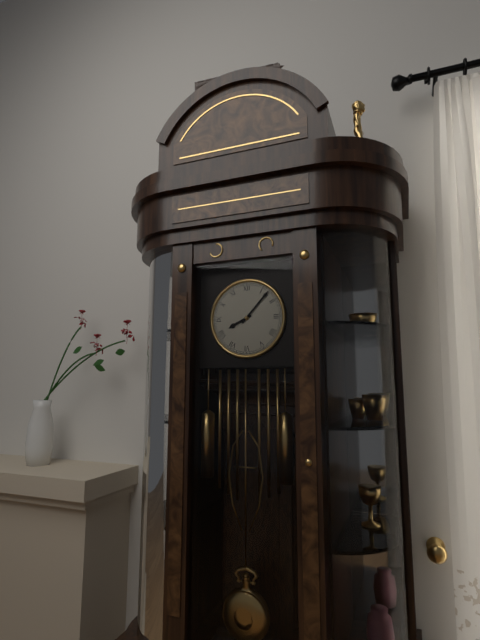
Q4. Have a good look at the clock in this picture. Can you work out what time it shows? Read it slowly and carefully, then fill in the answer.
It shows 8:07
